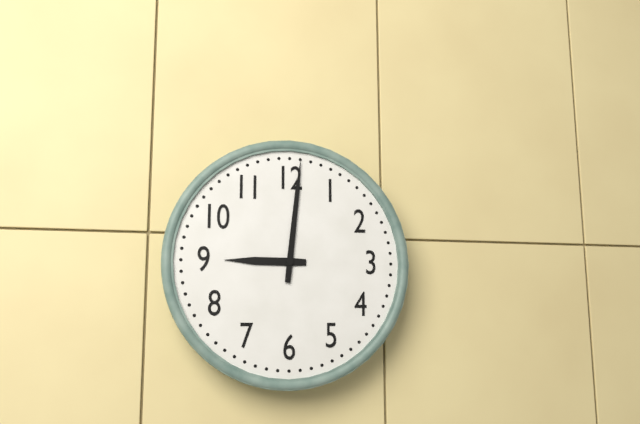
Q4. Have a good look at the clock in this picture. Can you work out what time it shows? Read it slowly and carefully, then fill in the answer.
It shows 9:01
